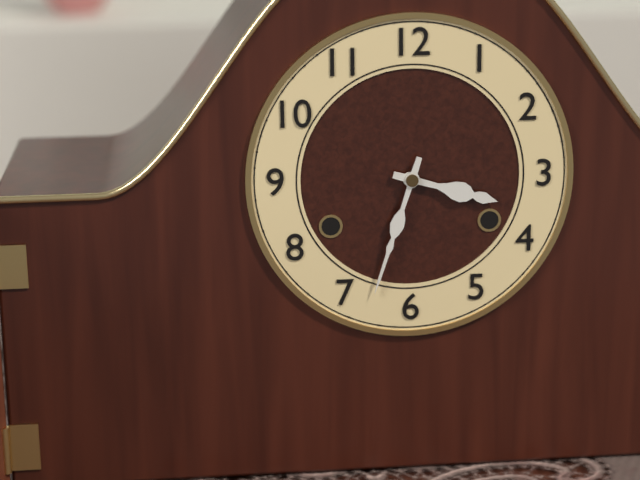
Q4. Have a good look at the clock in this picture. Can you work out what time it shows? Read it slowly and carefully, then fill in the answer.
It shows 3:33
